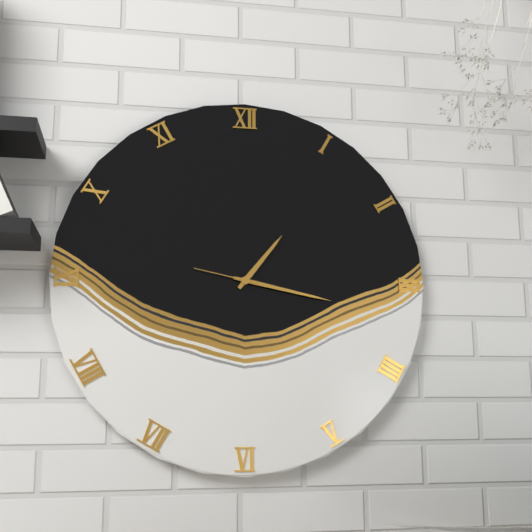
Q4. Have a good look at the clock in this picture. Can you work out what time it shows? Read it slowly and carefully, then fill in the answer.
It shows 1:17:47
